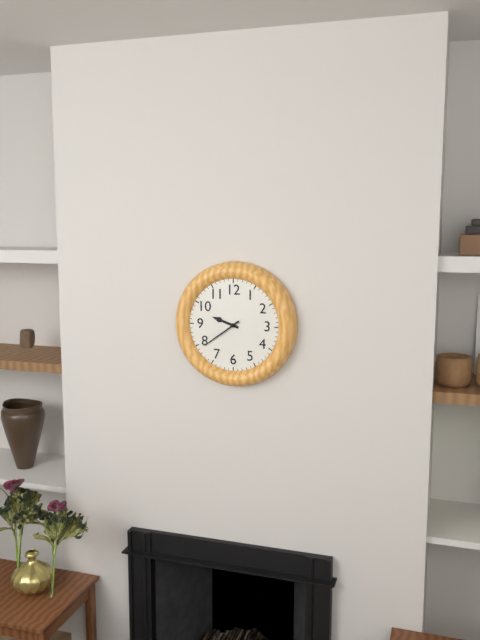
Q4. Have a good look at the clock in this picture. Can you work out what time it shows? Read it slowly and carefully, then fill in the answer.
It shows 9:39
